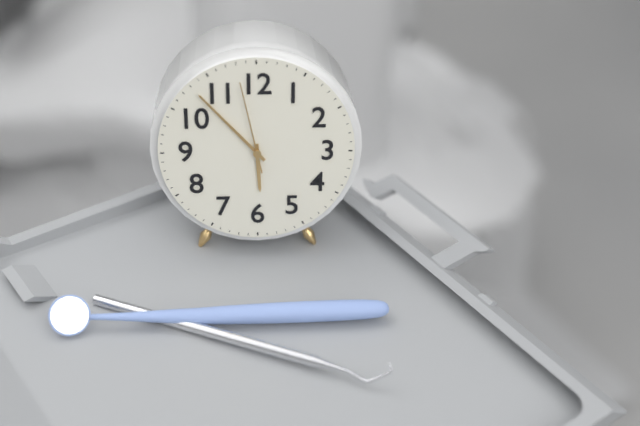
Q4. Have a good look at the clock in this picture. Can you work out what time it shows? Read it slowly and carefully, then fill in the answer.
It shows 5:53:58
